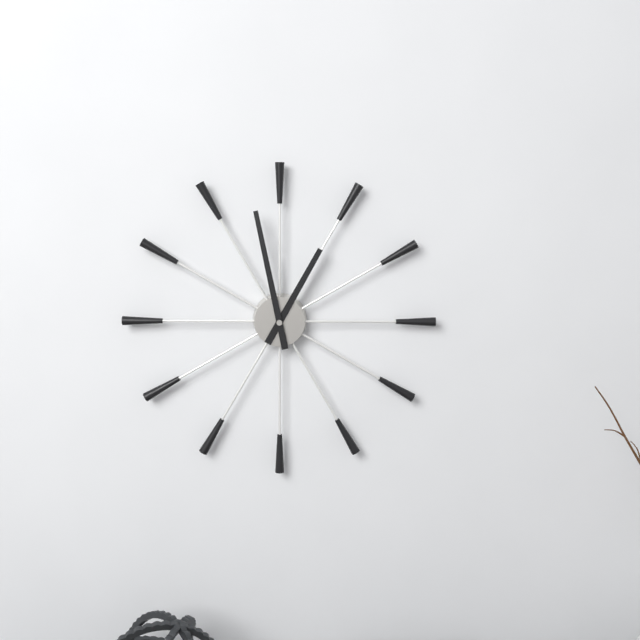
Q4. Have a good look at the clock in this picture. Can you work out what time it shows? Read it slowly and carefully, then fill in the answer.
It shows 12:58
